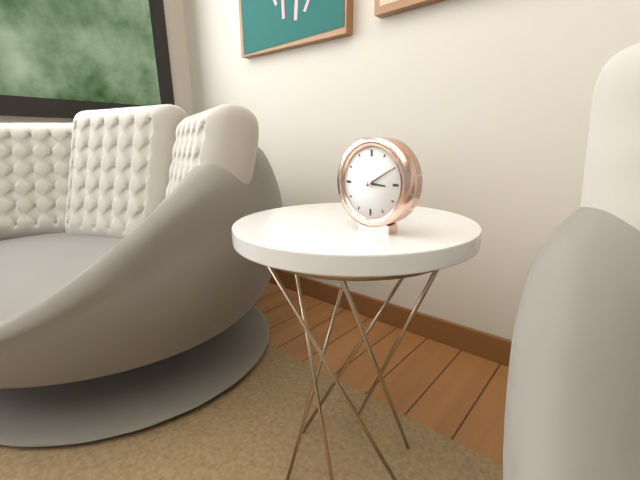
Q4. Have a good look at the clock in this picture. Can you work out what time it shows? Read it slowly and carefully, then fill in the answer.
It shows 3:10
